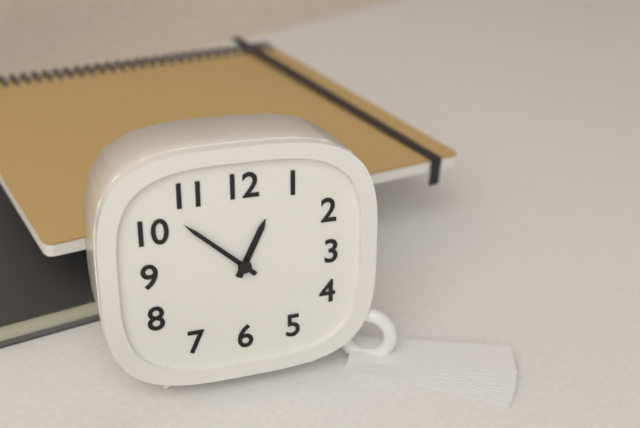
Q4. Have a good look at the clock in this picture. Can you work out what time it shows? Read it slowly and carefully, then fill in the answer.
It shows 12:52
